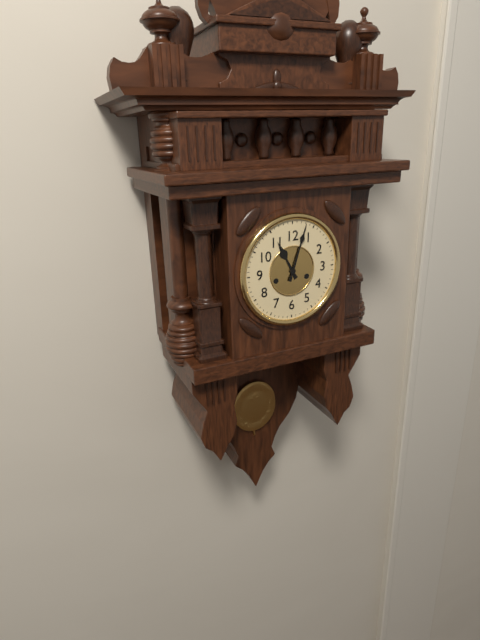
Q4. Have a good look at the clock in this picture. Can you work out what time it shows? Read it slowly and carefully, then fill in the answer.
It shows 11:03
